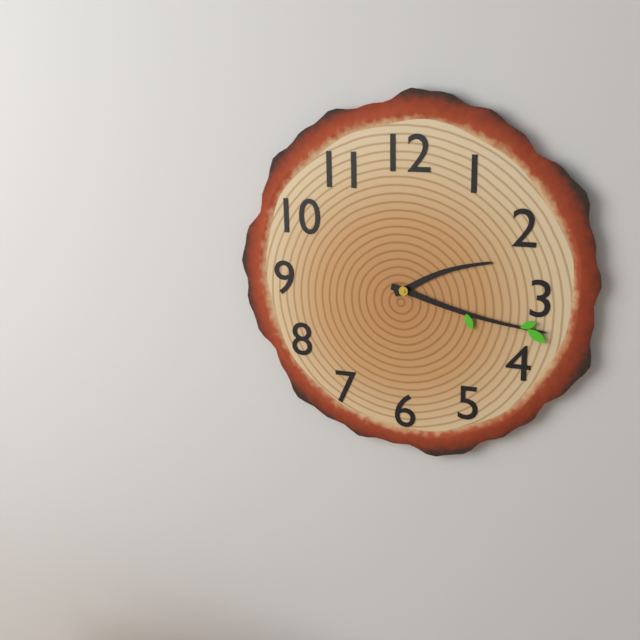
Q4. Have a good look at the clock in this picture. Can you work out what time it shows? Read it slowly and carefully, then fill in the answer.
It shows 2:17
